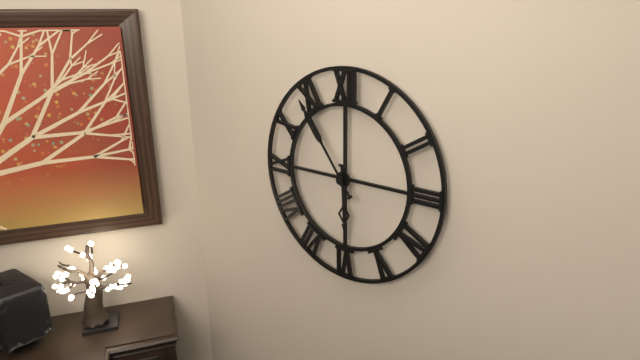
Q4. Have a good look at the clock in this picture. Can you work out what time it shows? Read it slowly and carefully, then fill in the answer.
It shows 5:54
